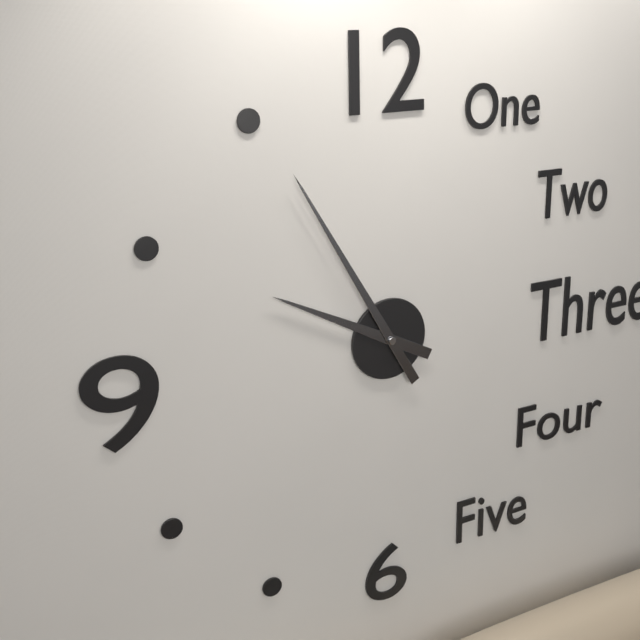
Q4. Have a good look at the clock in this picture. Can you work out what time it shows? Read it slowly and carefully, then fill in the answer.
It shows 9:55
